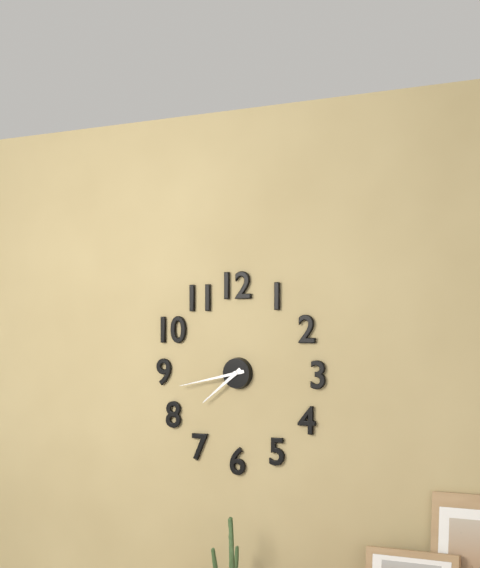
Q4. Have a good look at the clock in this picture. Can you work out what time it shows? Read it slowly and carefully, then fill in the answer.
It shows 7:43
